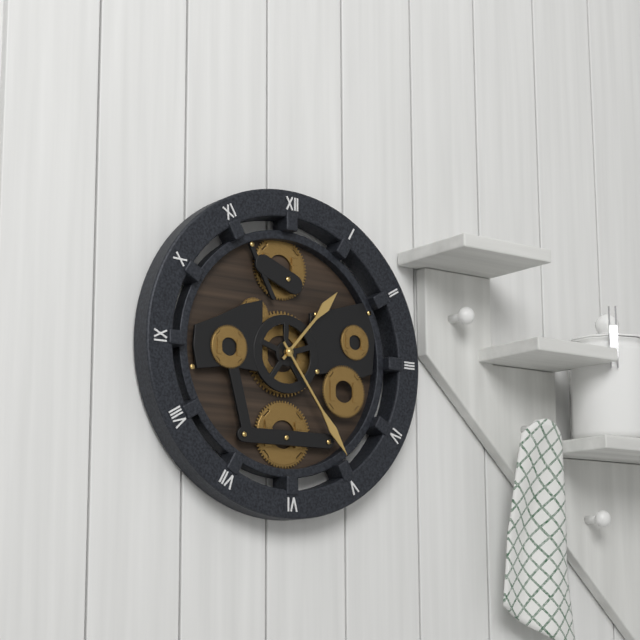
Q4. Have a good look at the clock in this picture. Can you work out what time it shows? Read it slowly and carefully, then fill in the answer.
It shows 1:24
